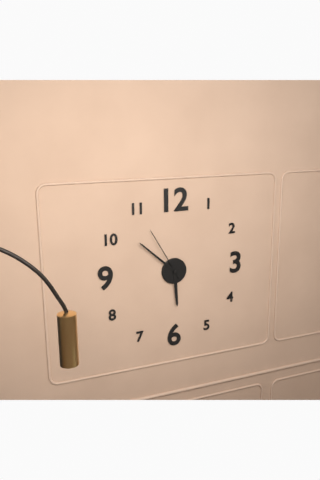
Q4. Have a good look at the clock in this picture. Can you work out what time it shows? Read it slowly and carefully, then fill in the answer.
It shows 5:52:55
